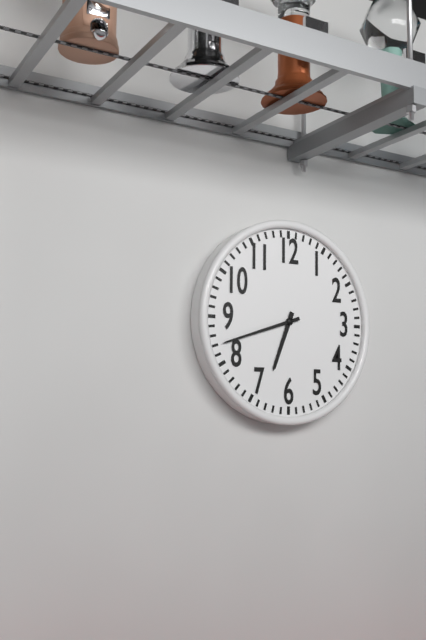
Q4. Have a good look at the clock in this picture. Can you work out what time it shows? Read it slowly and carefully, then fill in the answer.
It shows 6:42
